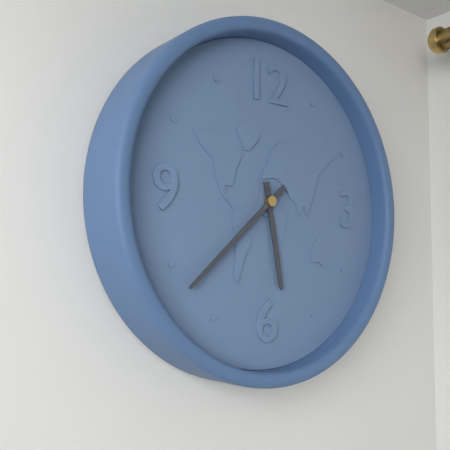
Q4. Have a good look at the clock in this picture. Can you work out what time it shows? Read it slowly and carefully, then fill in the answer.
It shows 5:38
